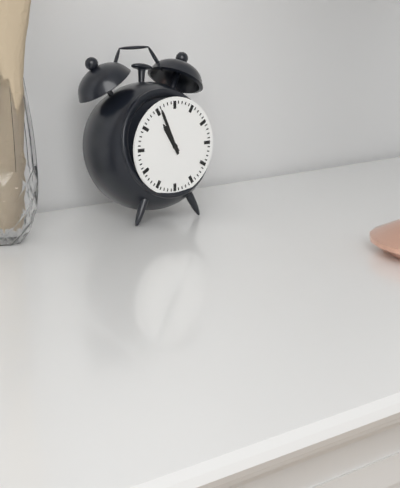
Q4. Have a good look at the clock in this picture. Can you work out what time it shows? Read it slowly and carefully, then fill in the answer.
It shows 10:56
